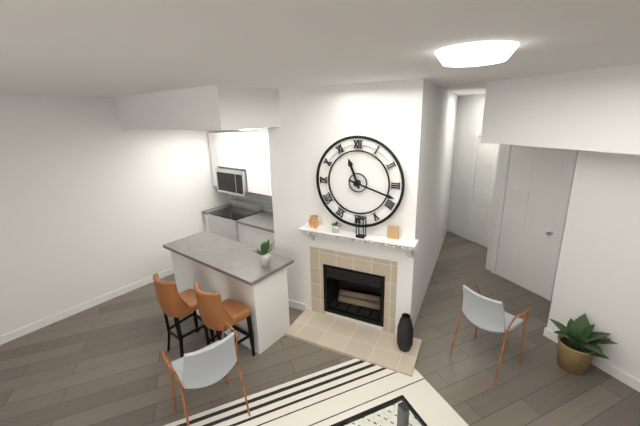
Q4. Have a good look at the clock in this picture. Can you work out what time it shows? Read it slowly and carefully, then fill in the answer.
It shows 11:18
